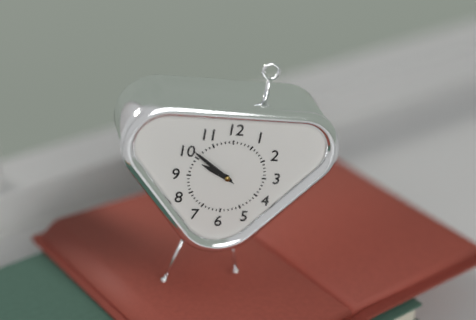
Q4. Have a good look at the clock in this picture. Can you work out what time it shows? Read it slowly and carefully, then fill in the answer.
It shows 9:51
